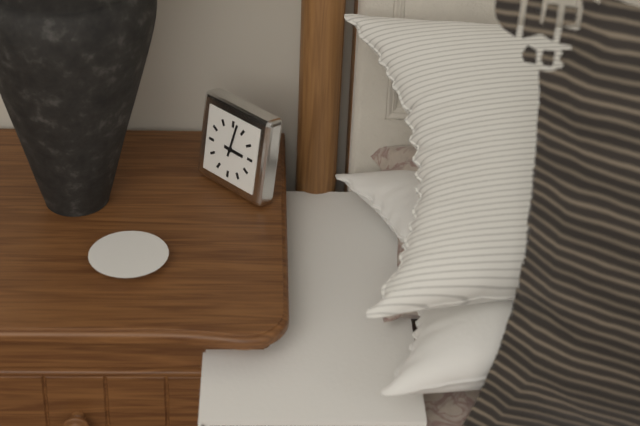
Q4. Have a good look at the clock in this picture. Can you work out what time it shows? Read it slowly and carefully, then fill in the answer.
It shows 3:02
